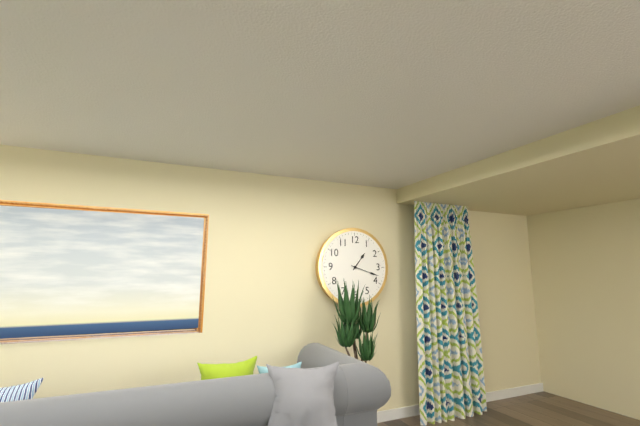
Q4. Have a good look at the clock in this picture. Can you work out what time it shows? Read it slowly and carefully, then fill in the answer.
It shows 1:18
